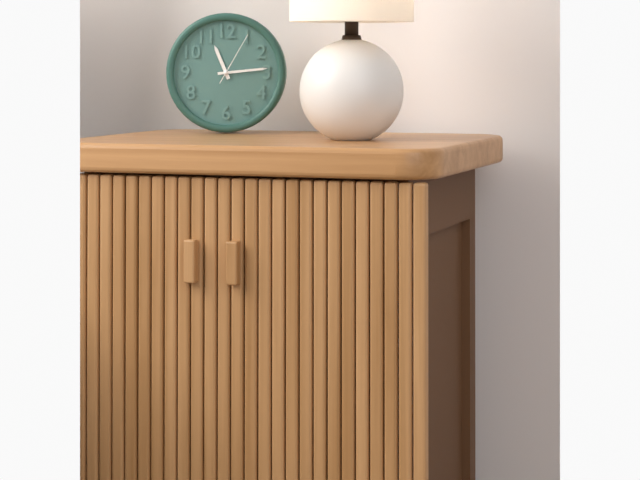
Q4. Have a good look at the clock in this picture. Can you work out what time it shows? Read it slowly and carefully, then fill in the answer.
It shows 11:14:05
